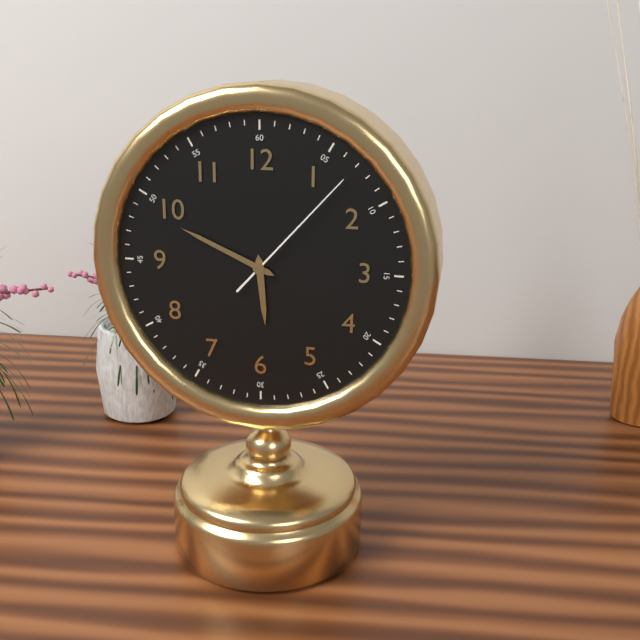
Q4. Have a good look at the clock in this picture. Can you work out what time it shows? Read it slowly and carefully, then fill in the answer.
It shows 5:49:07
